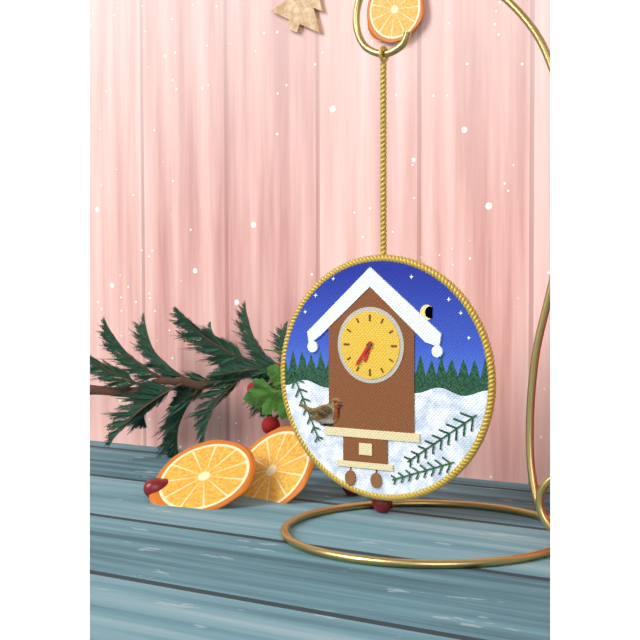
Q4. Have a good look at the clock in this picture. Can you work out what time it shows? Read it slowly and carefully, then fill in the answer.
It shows 6:36
